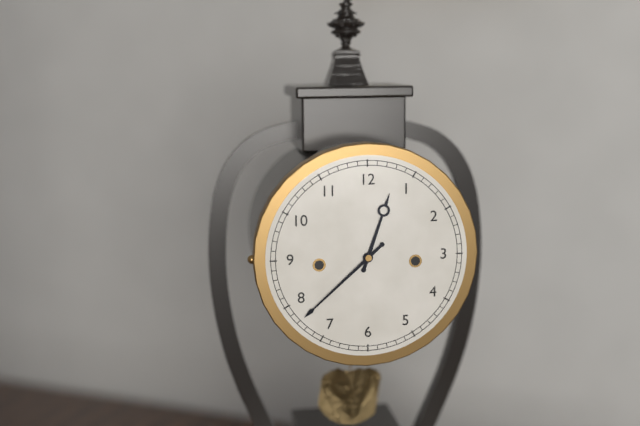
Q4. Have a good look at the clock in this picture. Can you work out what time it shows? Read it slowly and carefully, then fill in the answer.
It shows 12:38
